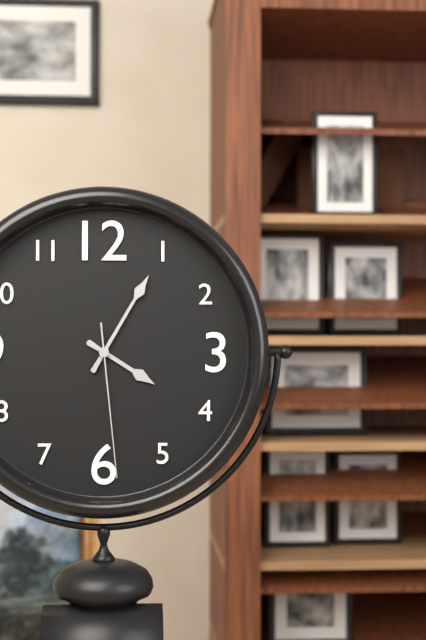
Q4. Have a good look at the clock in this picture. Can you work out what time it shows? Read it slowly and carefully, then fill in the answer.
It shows 4:05:29
